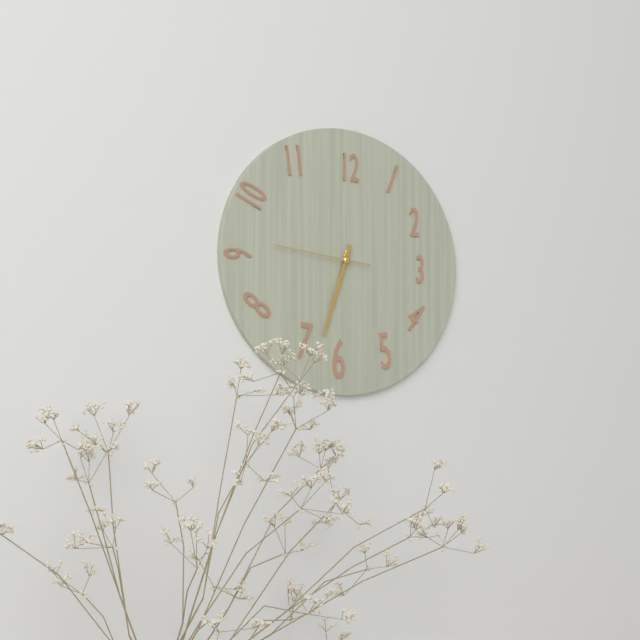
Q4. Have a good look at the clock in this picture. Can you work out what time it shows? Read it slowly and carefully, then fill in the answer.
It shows 6:33:46
